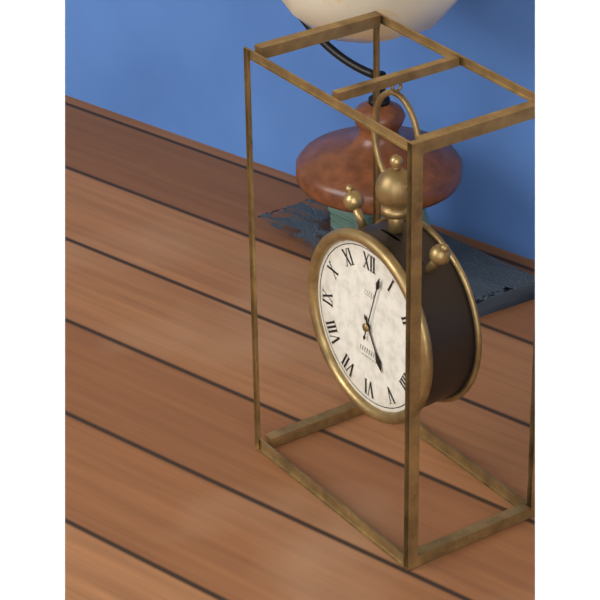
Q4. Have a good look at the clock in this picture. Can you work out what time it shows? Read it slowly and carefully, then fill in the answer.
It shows 5:03
